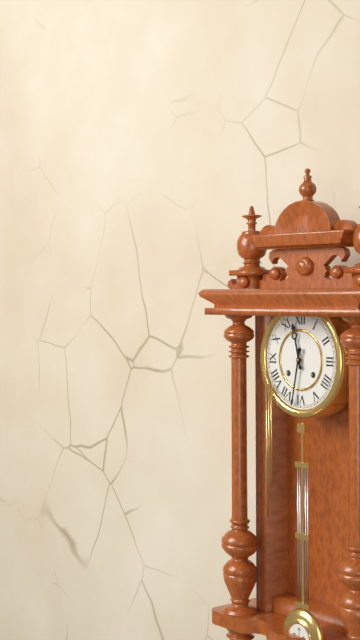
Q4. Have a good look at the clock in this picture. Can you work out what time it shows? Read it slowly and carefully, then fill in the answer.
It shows 11:32
